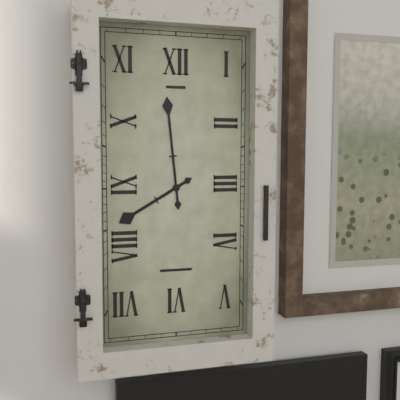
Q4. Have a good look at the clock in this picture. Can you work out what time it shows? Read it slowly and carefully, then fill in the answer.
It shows 7:59
